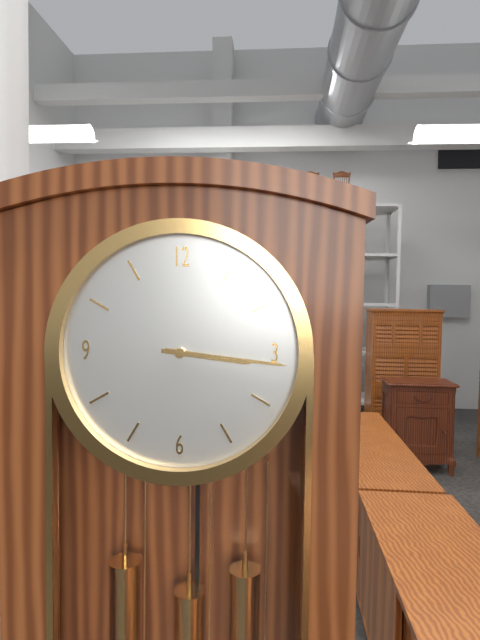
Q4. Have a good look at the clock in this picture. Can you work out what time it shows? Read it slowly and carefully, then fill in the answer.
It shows 3:16
